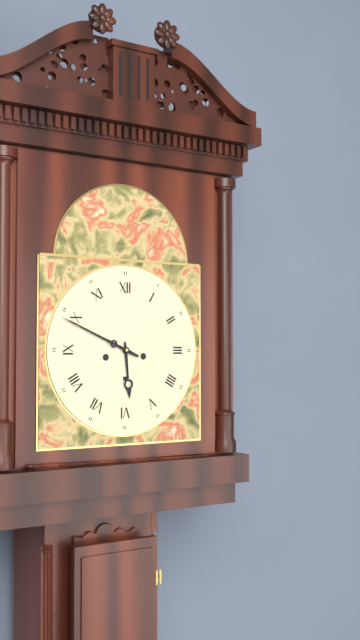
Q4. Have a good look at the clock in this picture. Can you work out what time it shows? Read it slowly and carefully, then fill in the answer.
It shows 5:49
